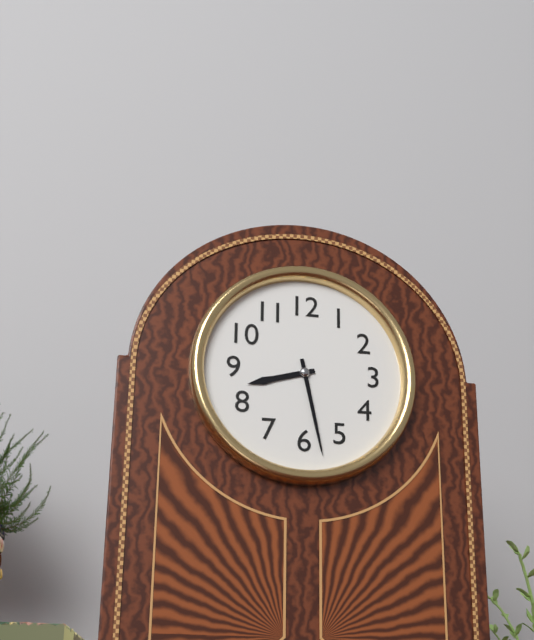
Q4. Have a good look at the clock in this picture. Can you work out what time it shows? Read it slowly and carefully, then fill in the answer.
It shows 8:28
